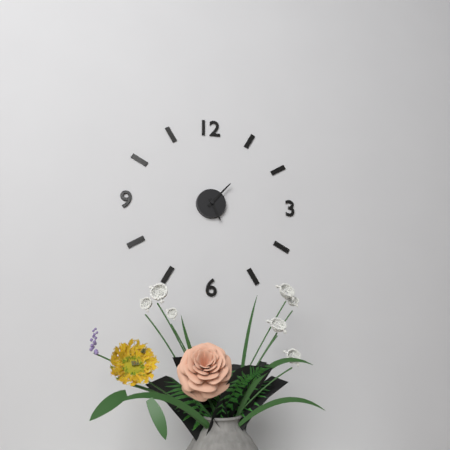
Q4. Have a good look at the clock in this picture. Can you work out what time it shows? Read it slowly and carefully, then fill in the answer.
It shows 5:07
